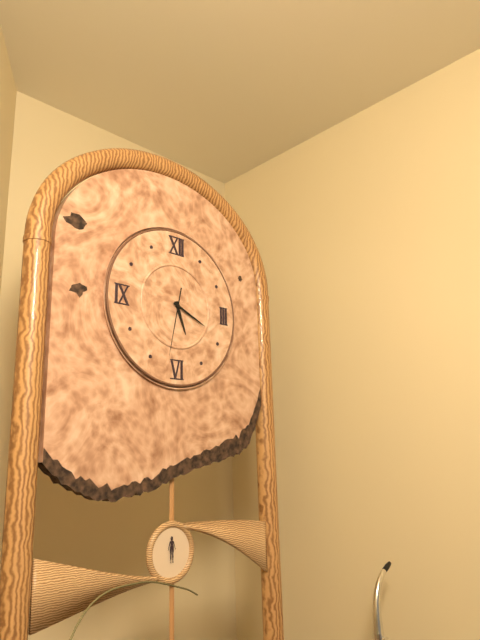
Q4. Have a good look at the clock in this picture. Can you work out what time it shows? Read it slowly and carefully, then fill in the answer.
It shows 5:19:32
